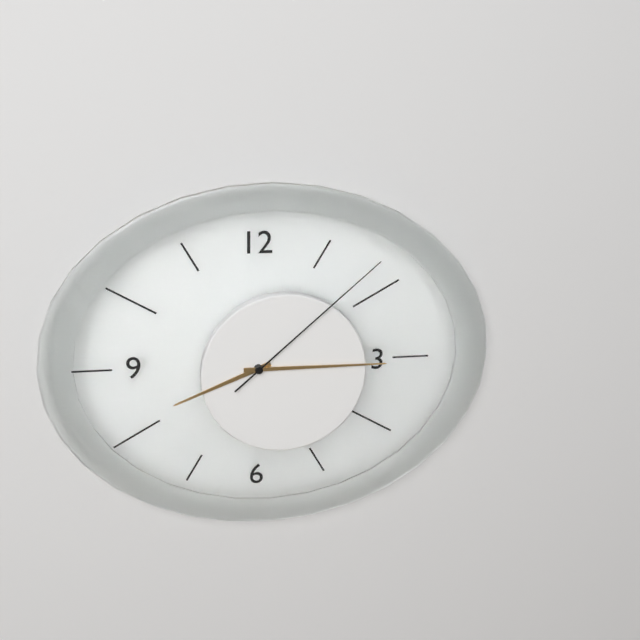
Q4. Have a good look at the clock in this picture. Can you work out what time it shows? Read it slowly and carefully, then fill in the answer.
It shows 8:15:08
